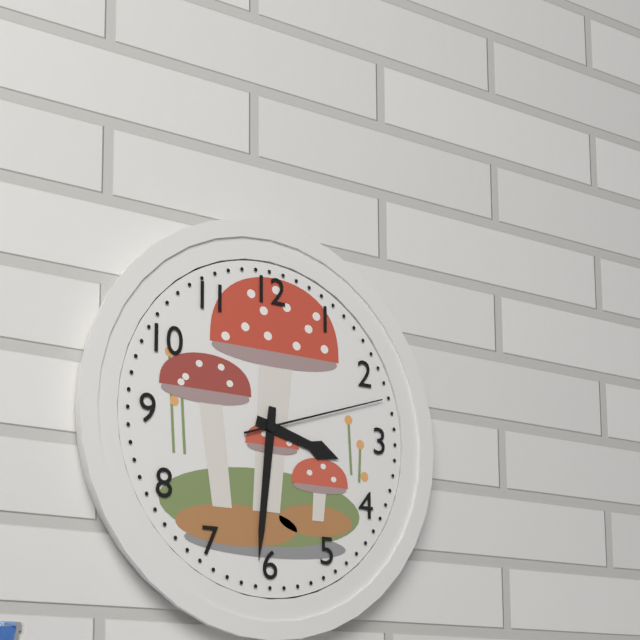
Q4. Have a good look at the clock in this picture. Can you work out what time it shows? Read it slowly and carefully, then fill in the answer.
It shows 3:31:12
